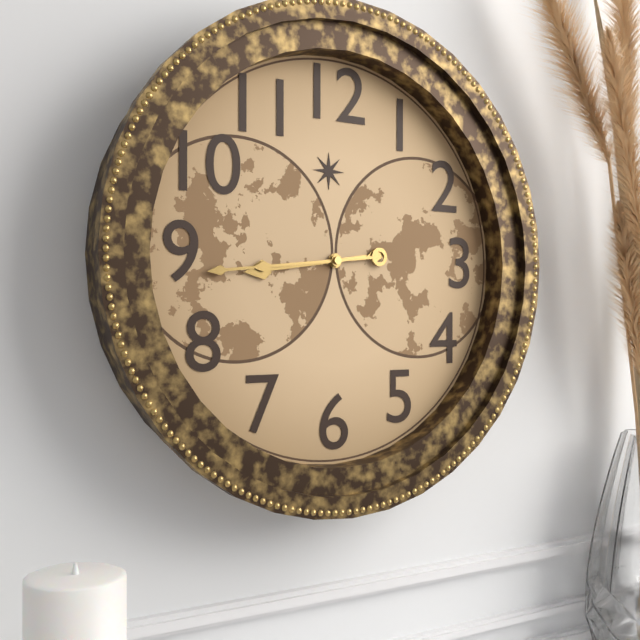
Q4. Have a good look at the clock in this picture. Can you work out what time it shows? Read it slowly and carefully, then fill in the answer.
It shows 8:44
